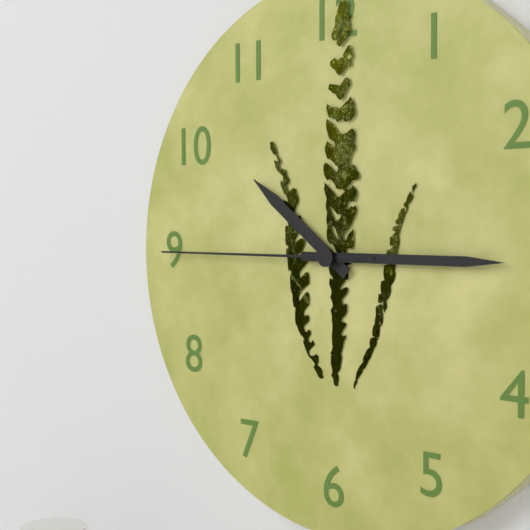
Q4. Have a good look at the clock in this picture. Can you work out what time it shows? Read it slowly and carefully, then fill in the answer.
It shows 10:15:45
